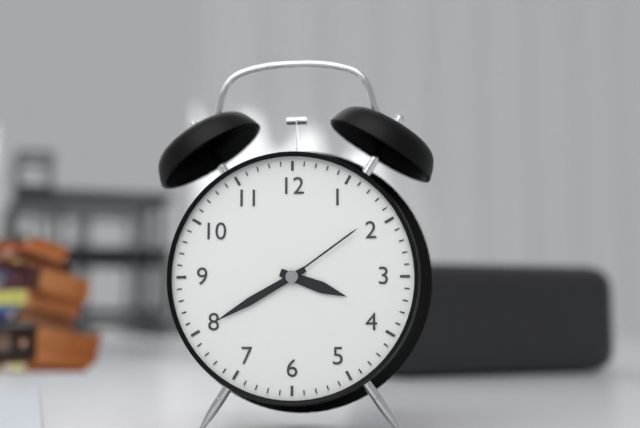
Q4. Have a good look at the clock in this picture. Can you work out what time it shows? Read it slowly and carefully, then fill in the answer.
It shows 3:40:09
